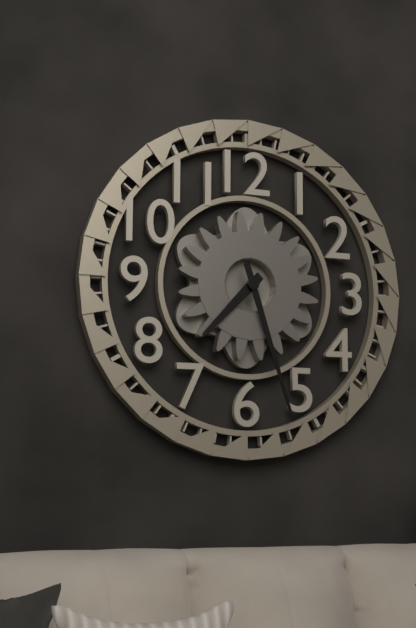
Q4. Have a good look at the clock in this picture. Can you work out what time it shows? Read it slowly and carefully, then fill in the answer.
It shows 7:27
